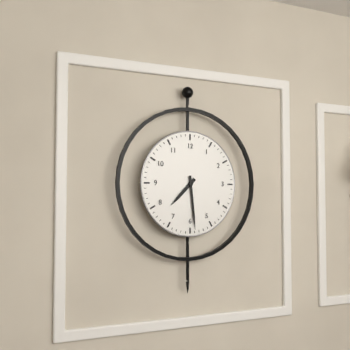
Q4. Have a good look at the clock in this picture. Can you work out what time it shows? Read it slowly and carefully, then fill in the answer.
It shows 7:29
